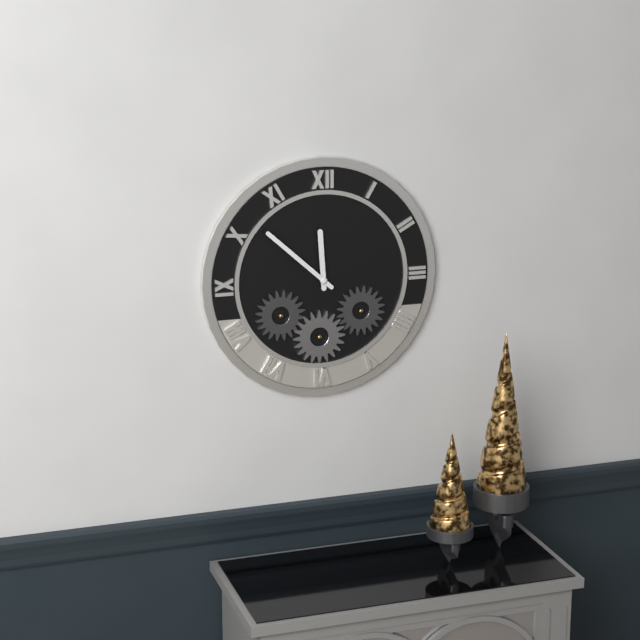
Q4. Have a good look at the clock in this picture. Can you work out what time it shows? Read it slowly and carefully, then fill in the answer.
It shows 11:52
